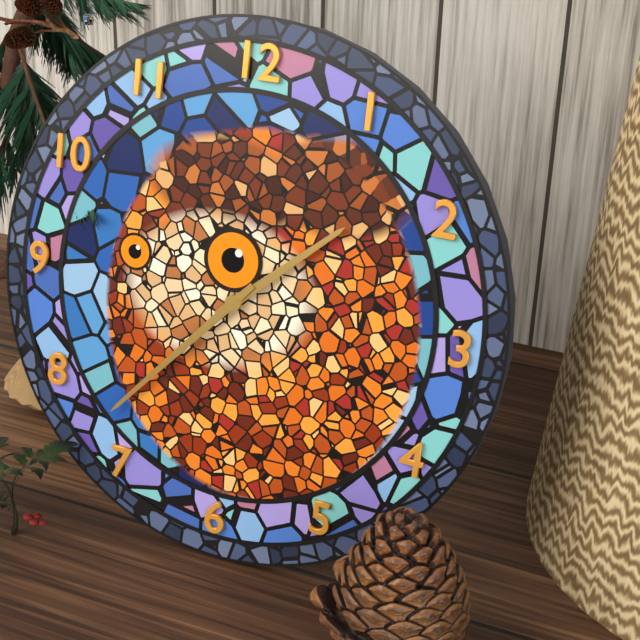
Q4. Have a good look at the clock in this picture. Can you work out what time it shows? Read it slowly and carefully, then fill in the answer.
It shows 1:37
